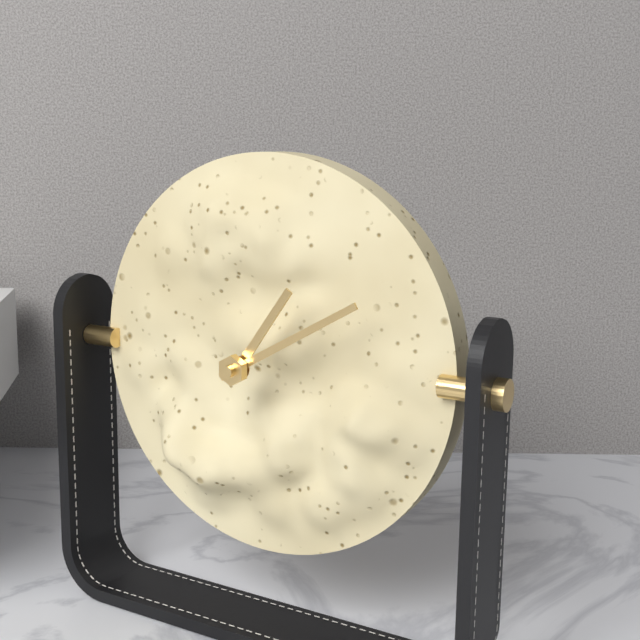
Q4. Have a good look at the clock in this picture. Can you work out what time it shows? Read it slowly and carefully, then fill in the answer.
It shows 1:10
